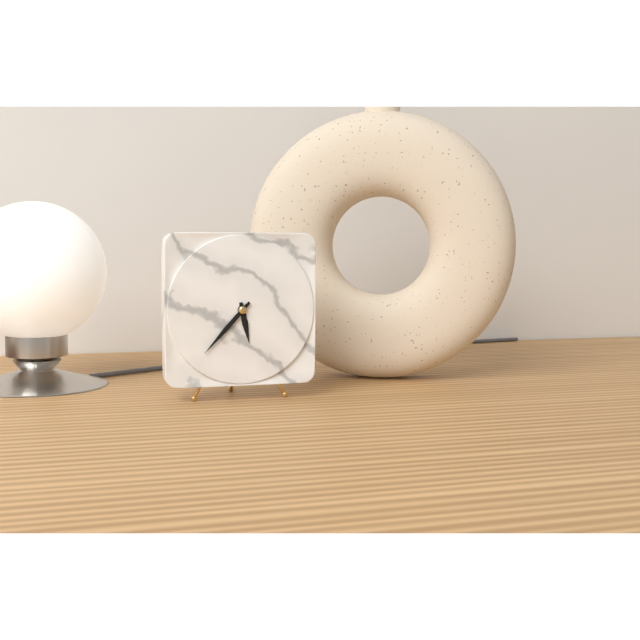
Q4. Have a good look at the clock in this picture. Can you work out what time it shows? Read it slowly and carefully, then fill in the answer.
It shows 5:37
